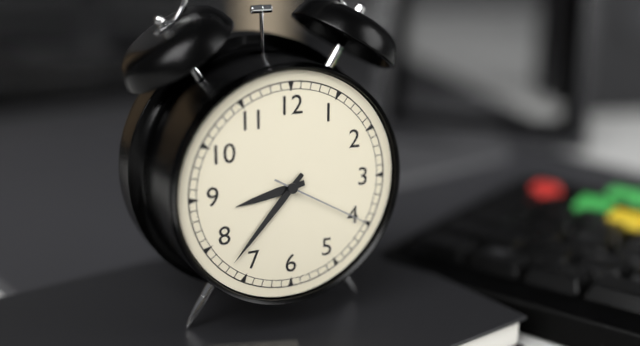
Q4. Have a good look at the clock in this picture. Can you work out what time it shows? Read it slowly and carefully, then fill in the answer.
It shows 8:37:20
